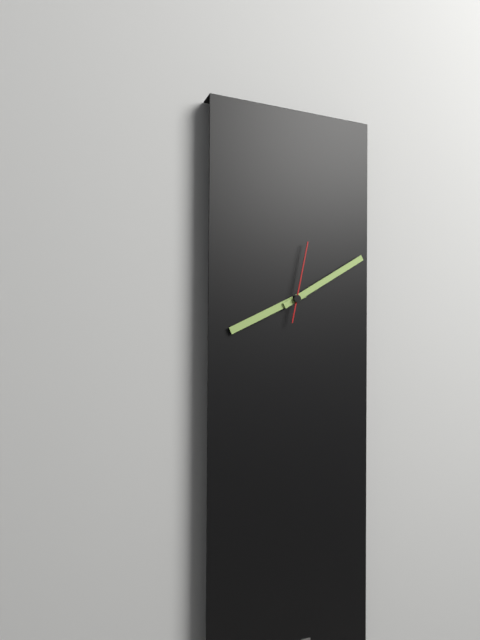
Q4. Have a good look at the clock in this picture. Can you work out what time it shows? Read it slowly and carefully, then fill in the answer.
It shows 8:10:02
